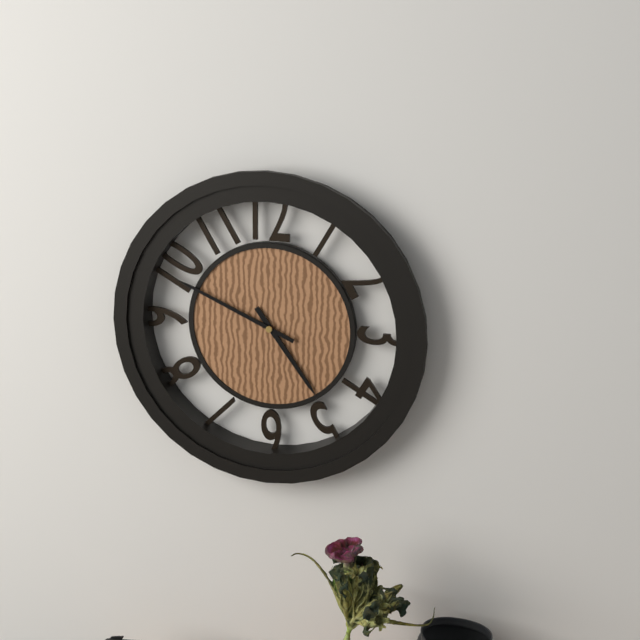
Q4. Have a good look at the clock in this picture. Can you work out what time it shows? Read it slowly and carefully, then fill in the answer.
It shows 4:49
